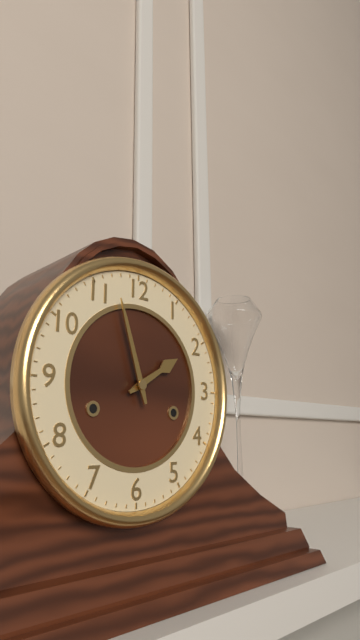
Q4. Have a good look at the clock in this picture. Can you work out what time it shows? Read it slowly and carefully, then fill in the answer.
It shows 1:57
